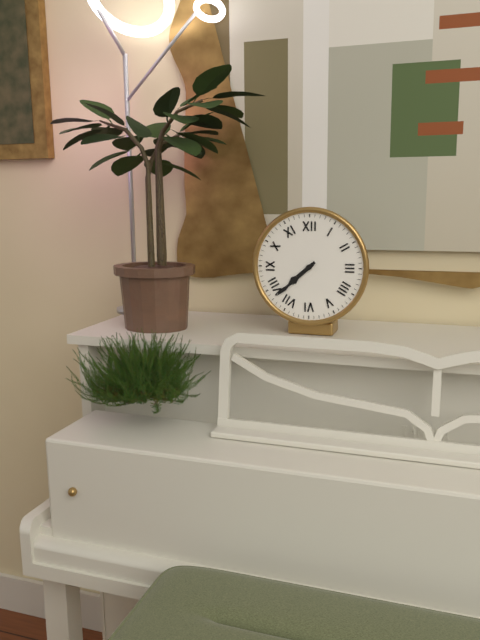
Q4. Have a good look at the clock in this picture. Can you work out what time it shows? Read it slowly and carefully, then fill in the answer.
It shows 7:38
